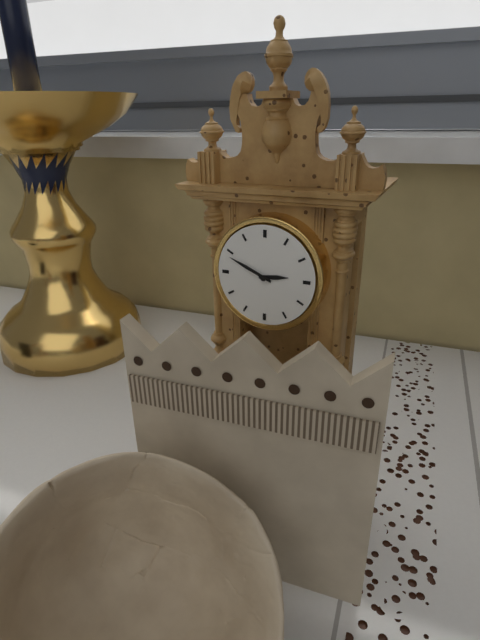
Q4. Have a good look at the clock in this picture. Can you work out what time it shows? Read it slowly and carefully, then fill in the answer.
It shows 2:49
